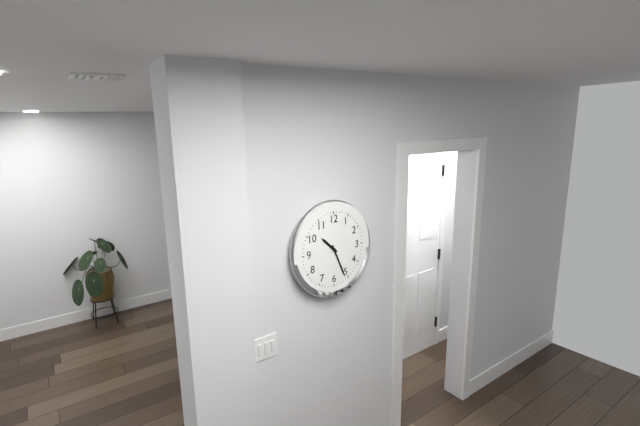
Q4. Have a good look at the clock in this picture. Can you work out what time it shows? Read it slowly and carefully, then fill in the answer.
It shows 10:26
